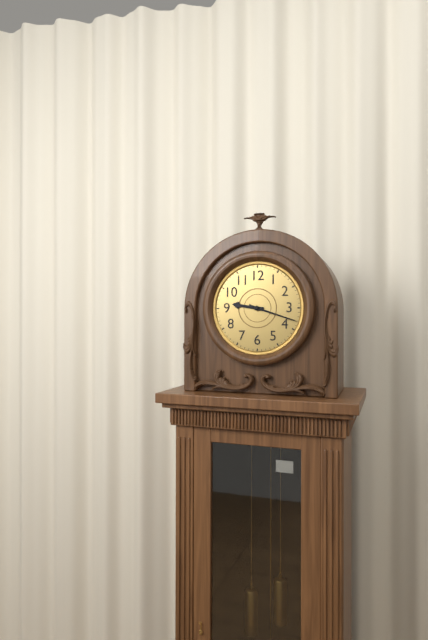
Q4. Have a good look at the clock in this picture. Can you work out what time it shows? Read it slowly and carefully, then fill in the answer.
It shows 9:18
